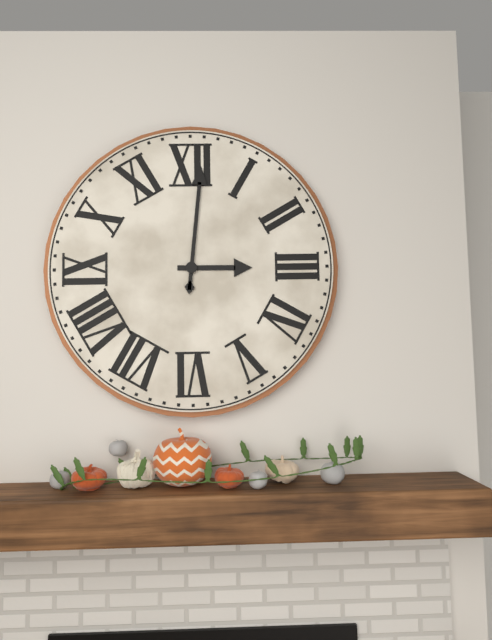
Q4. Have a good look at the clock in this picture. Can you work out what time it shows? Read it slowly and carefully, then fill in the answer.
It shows 3:01
